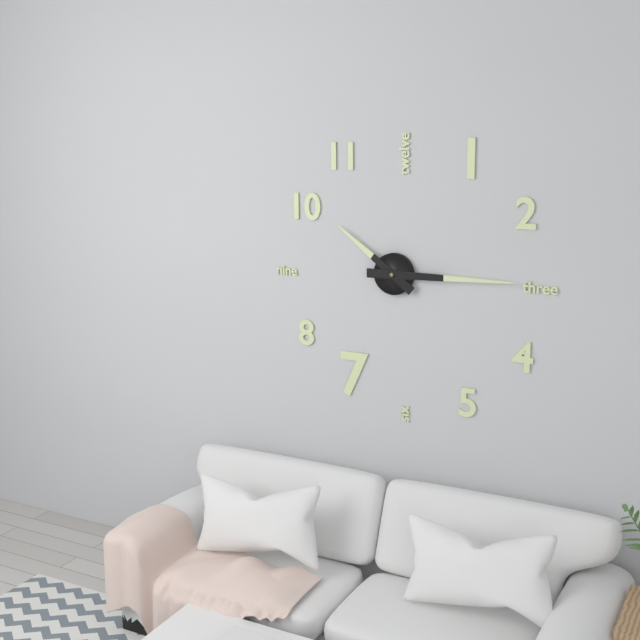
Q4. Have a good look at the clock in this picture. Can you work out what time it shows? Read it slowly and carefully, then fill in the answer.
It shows 10:15
